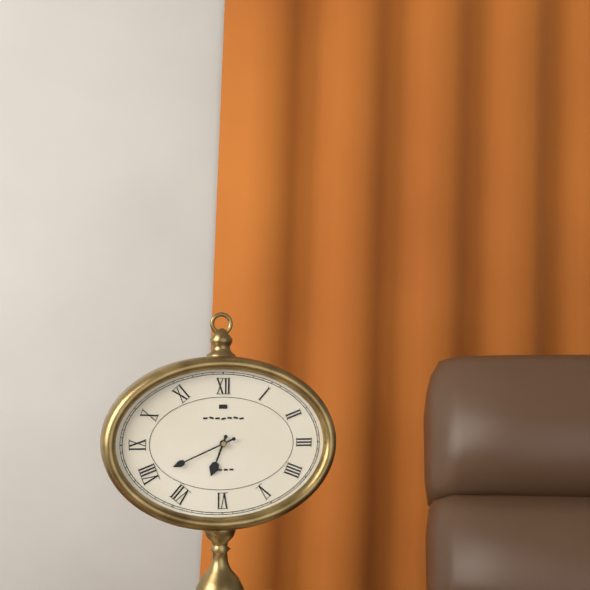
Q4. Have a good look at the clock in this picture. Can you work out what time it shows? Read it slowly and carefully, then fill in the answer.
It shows 6:41
